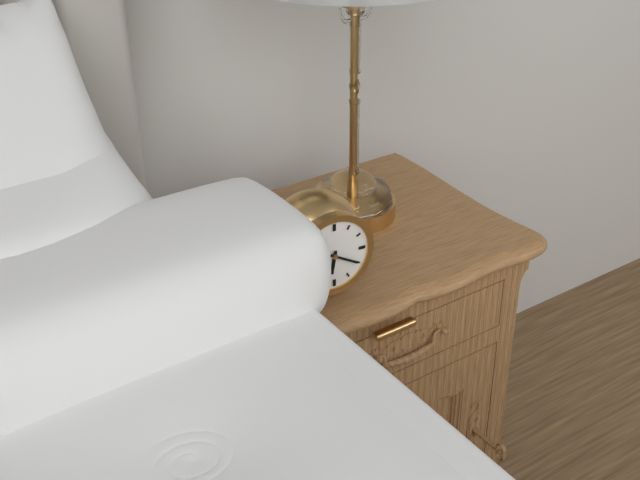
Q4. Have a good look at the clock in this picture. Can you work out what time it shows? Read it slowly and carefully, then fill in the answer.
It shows 6:20
